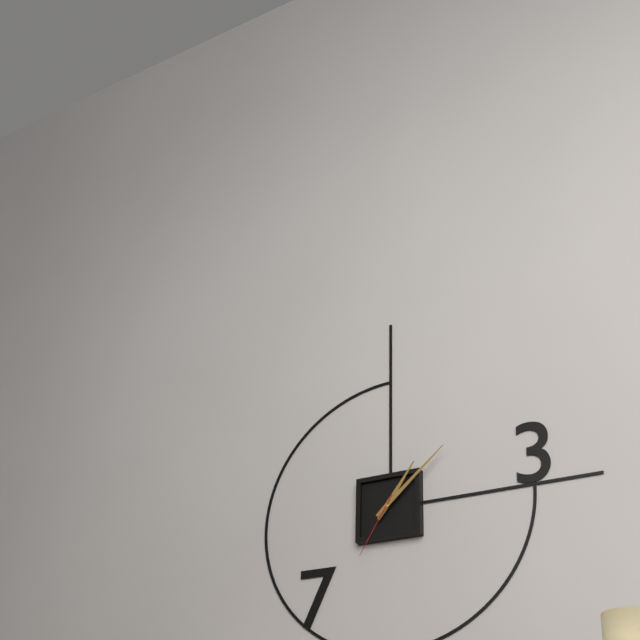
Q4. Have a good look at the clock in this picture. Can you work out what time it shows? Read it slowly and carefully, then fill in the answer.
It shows 1:08:35
